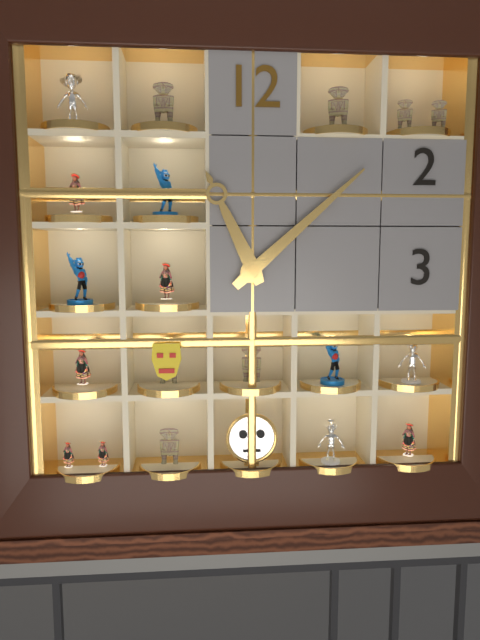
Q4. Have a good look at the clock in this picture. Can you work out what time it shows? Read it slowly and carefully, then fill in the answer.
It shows 11:08
